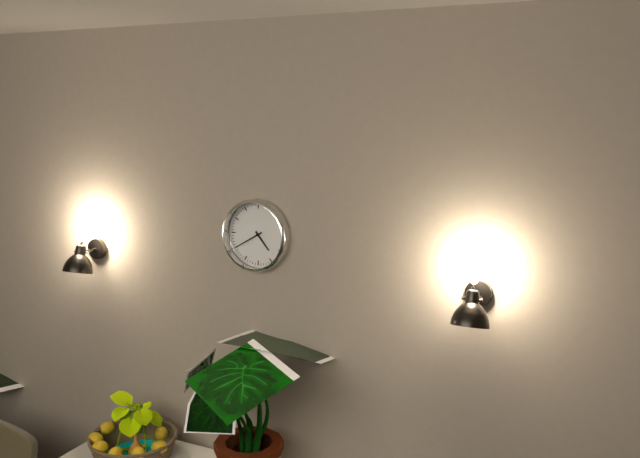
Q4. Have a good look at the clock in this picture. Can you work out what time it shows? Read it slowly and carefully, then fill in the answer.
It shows 4:40
